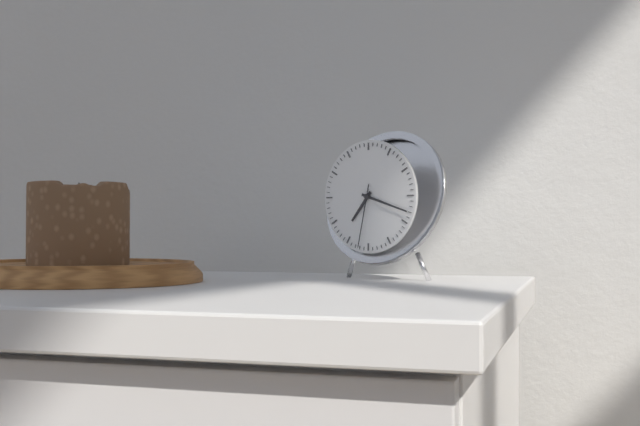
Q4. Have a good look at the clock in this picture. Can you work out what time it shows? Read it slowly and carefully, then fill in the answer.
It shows 7:18:32
